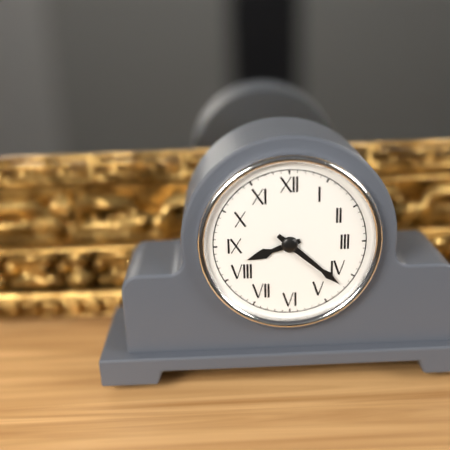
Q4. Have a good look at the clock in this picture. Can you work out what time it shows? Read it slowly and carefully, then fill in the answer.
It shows 8:22
